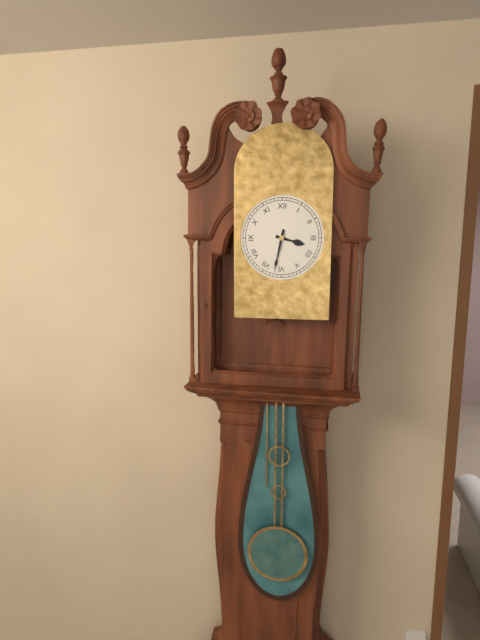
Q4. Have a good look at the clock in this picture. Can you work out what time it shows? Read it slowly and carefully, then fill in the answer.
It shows 3:32
